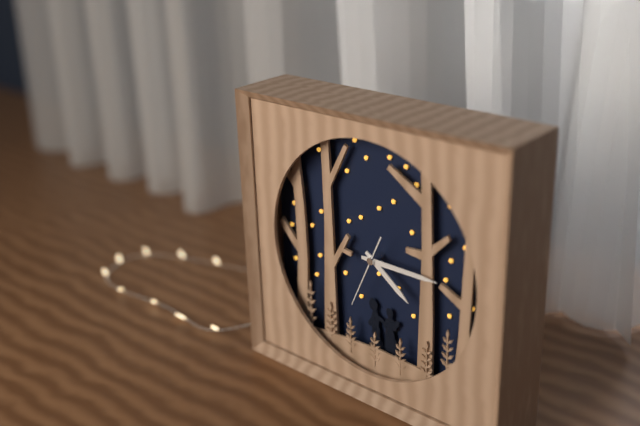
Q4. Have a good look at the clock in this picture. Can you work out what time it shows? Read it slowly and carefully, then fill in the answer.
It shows 4:15:34
